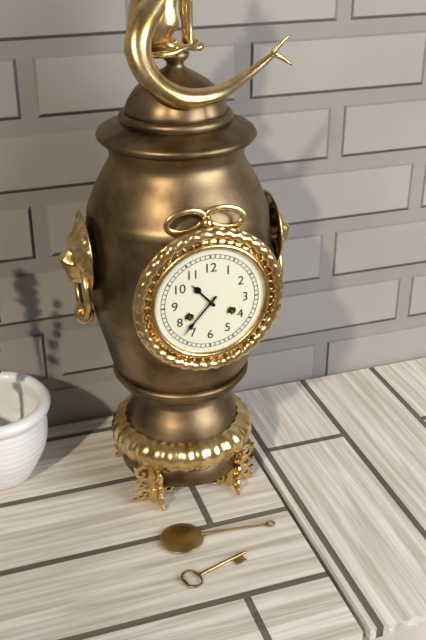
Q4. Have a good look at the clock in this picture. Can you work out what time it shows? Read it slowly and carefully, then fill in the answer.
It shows 10:37
